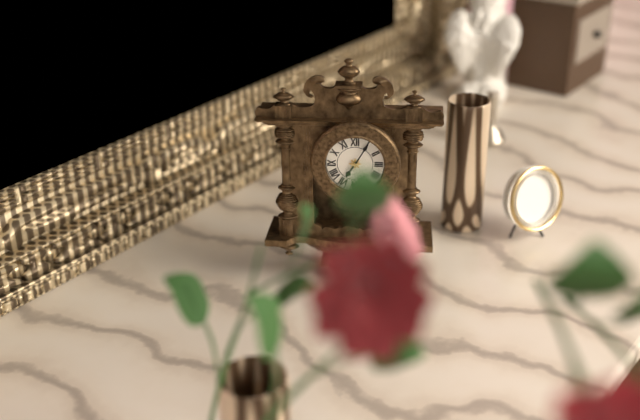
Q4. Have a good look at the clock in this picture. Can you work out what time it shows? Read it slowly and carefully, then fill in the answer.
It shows 7:05
